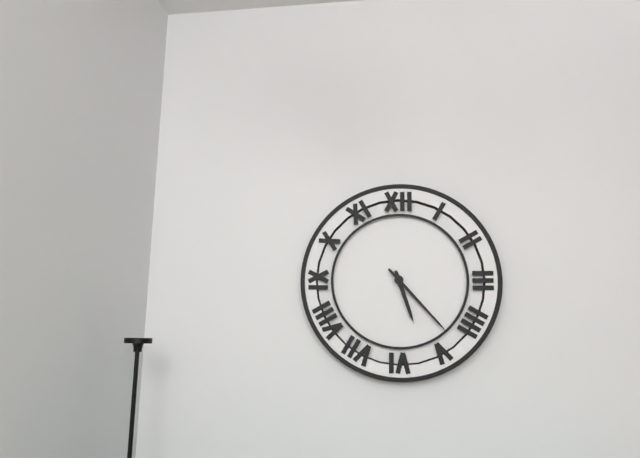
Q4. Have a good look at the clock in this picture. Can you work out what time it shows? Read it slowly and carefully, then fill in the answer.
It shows 5:23
